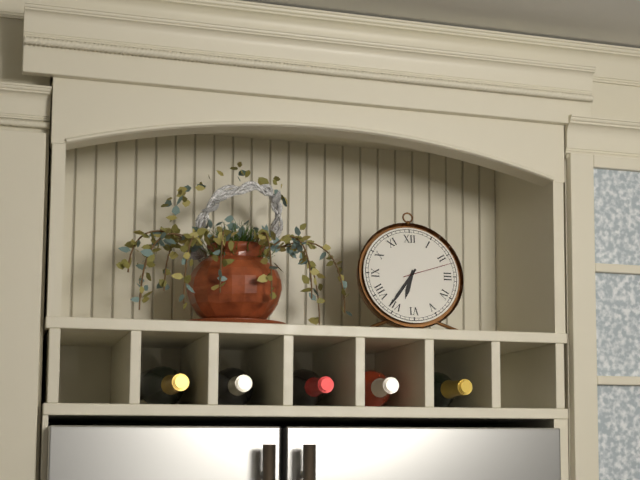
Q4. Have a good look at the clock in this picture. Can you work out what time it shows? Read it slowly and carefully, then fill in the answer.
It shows 6:36:12
